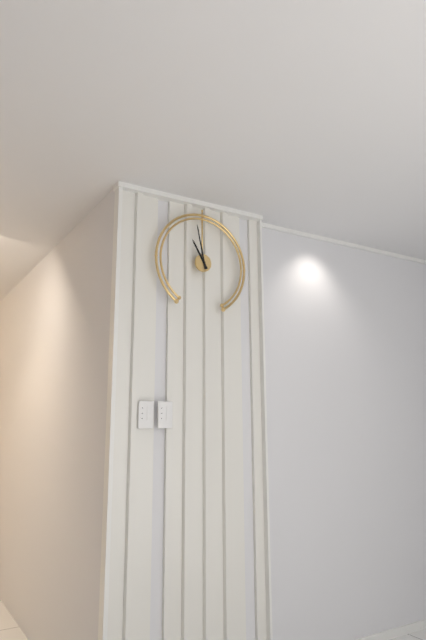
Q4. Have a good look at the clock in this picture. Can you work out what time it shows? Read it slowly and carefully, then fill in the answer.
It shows 10:58
